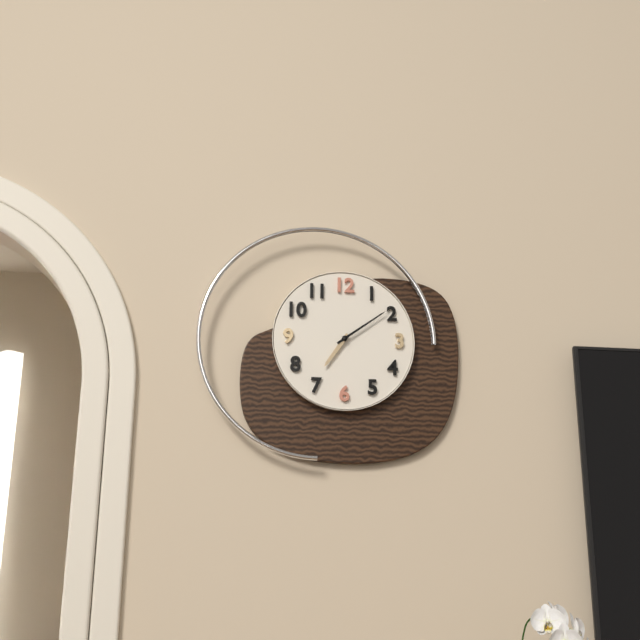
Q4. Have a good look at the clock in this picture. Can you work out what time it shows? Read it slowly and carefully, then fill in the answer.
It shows 7:09
